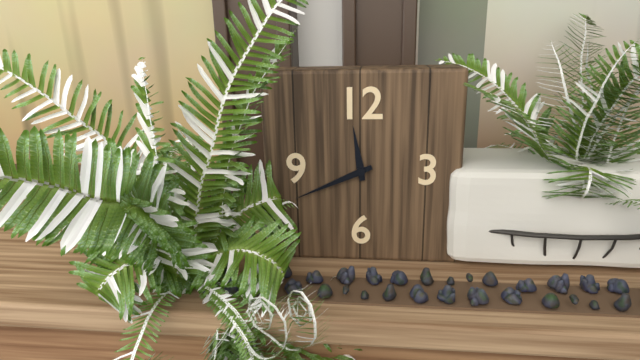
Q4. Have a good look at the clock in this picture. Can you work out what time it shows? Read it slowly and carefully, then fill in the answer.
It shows 11:41
